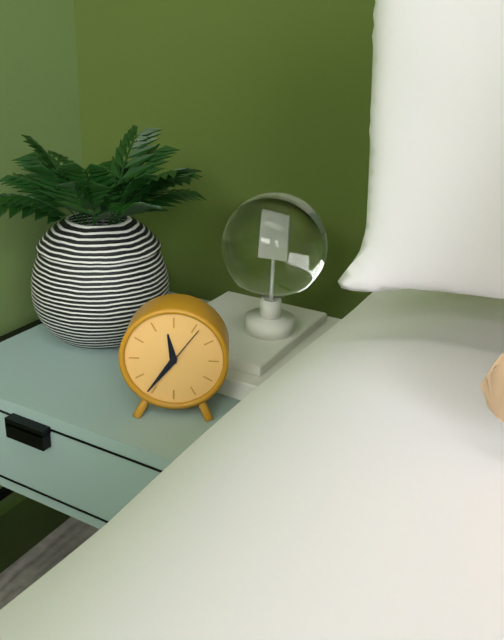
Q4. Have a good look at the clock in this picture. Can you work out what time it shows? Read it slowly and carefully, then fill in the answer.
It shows 11:36
